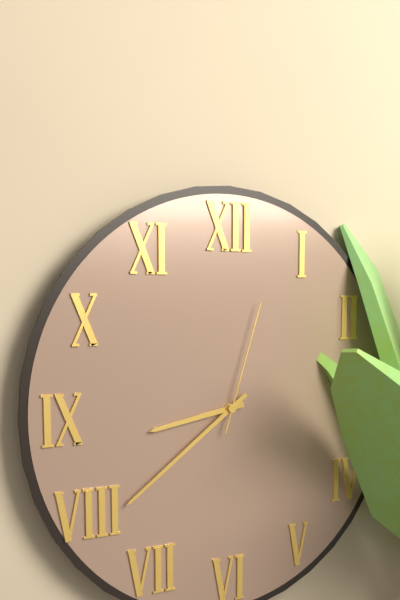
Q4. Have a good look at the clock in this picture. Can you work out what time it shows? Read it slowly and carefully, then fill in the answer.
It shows 8:39:03
